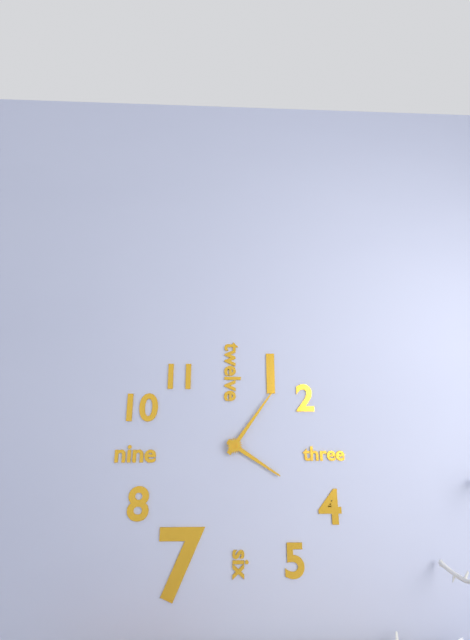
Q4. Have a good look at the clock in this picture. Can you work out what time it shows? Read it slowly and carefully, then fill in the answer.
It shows 4:06
